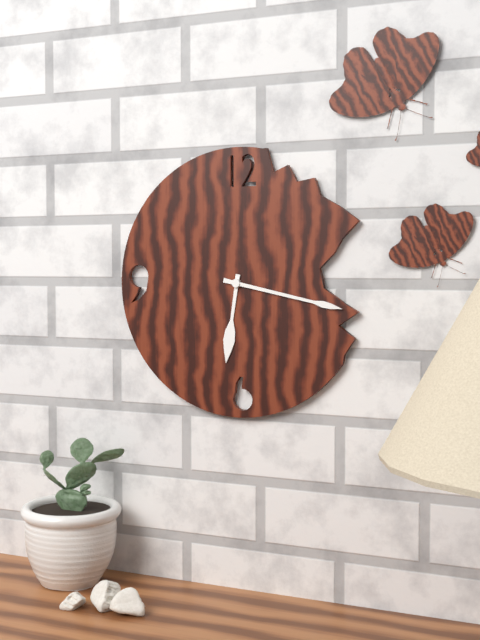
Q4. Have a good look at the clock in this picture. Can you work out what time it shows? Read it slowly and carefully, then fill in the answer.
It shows 6:17
